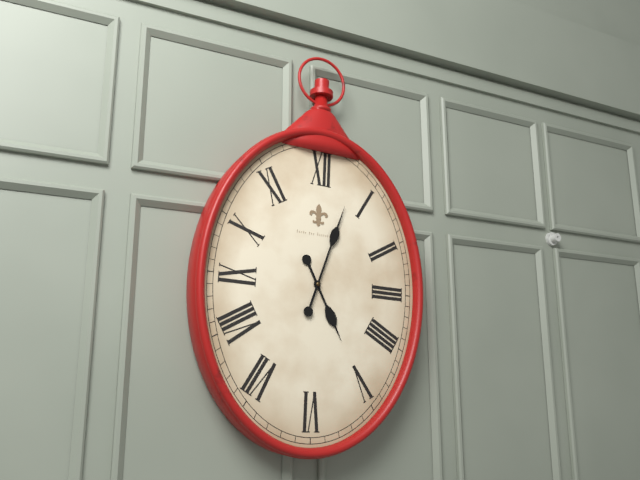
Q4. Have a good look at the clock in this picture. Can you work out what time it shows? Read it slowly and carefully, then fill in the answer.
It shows 5:03
